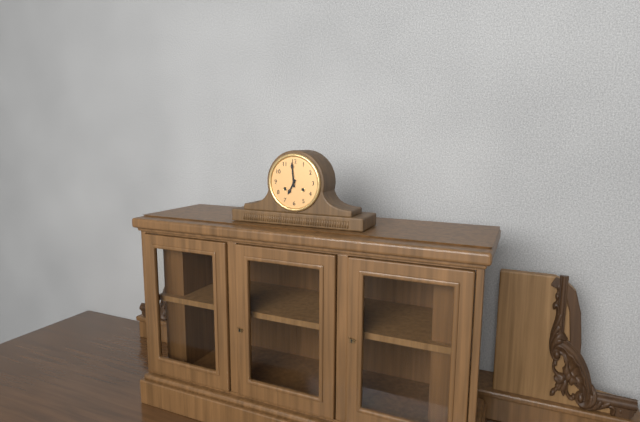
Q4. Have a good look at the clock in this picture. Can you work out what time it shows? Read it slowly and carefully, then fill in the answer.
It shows 6:59
